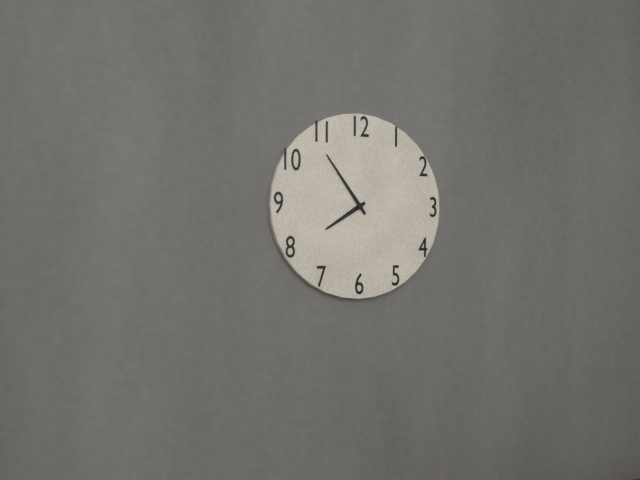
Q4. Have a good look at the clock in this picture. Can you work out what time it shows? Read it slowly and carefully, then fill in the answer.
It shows 7:54
